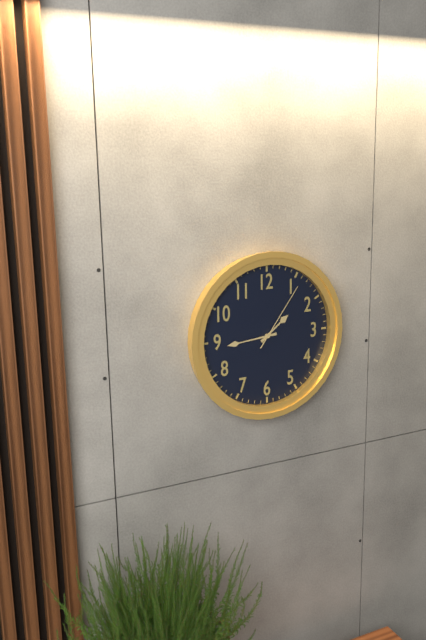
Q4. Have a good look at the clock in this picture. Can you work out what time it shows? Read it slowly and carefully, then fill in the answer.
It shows 1:44:06
